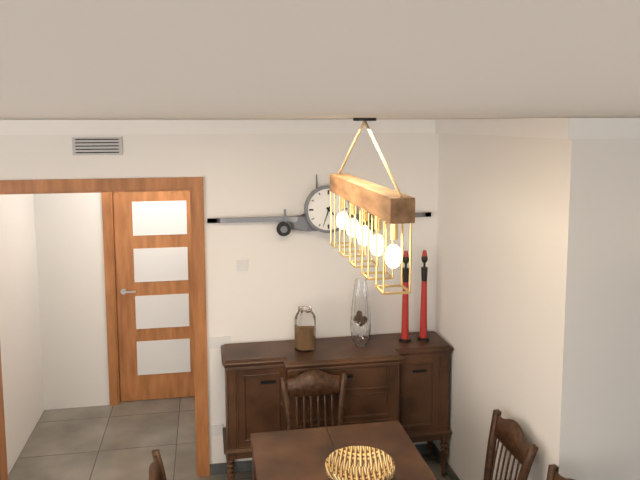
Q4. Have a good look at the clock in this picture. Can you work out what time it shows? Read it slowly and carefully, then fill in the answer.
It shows 4:33
